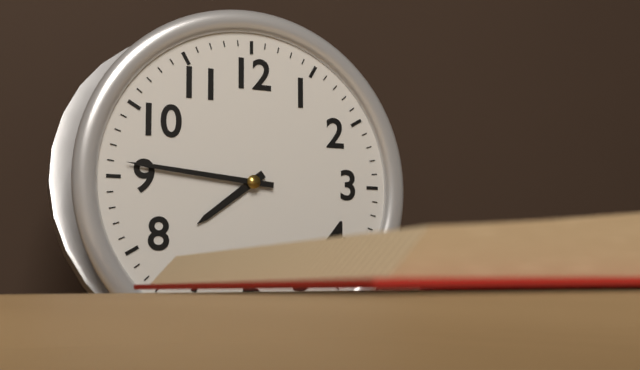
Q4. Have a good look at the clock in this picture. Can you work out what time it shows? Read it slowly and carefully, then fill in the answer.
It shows 7:46
